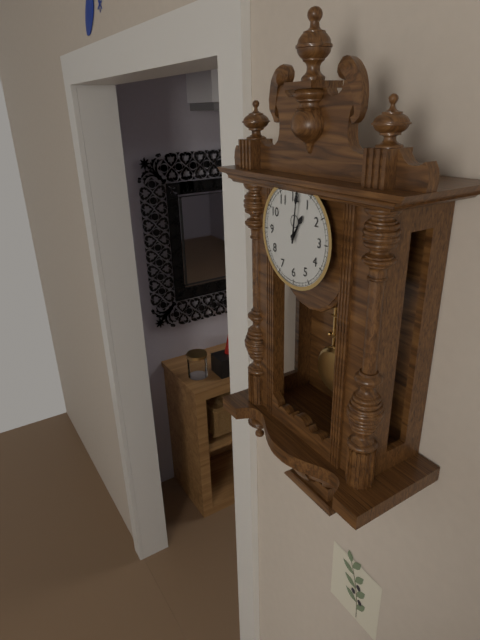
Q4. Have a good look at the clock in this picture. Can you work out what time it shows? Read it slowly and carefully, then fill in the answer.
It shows 1:01
